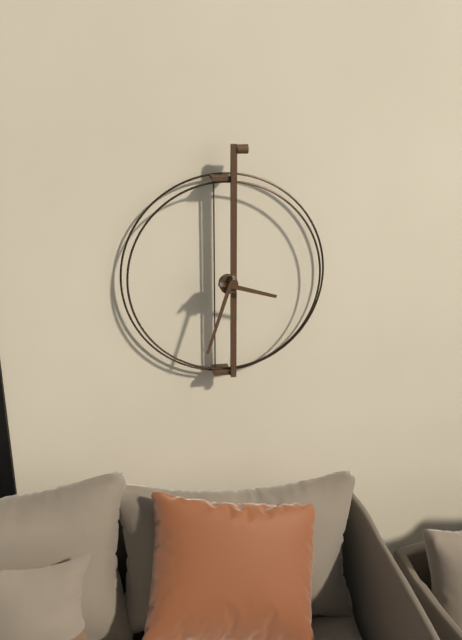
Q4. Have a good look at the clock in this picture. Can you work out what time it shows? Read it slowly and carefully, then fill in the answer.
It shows 3:33
